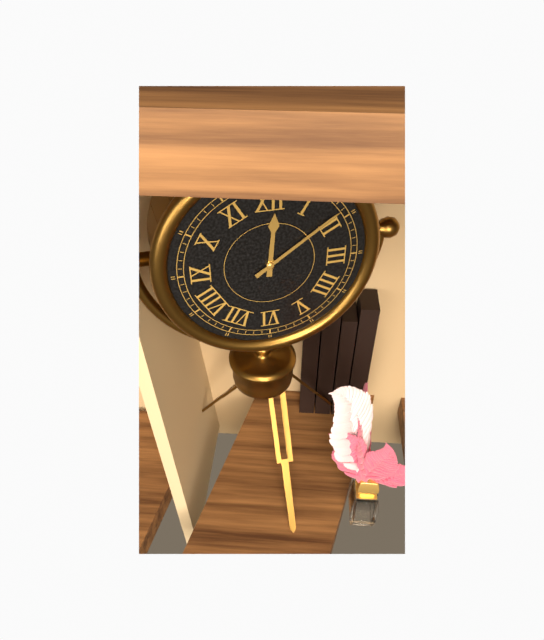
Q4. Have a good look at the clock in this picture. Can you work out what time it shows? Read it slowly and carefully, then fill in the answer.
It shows 12:09
